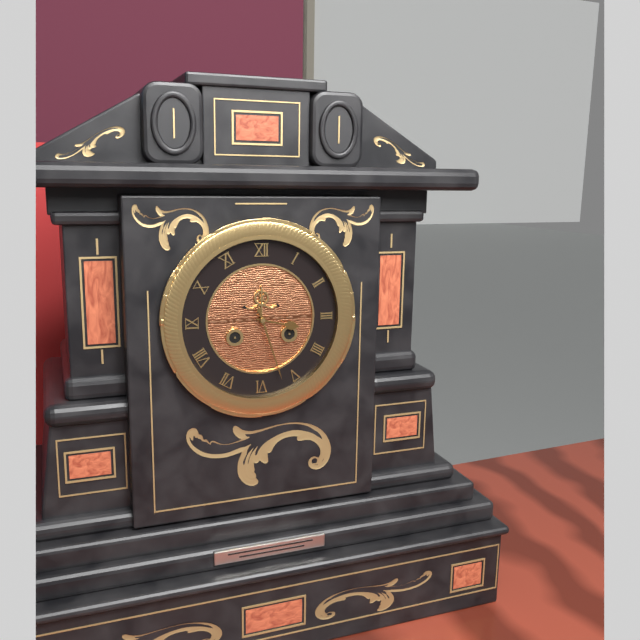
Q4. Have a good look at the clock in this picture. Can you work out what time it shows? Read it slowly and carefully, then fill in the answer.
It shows 3:27
